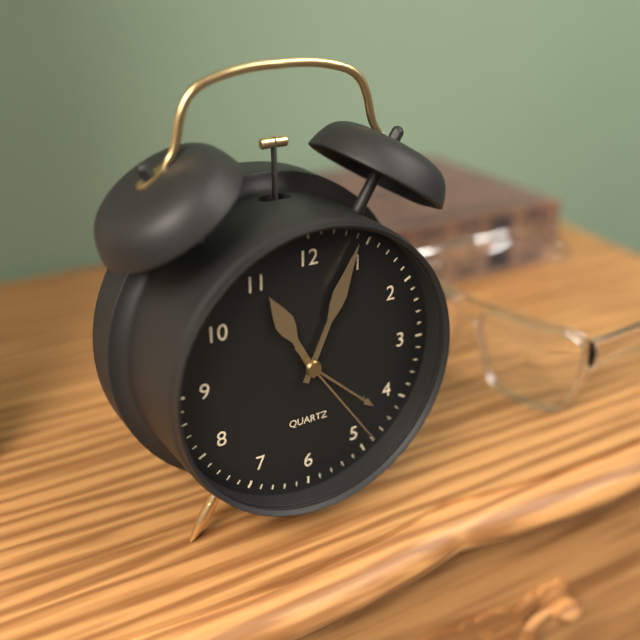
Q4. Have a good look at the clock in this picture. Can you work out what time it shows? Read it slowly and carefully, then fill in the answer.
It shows 11:04:24
